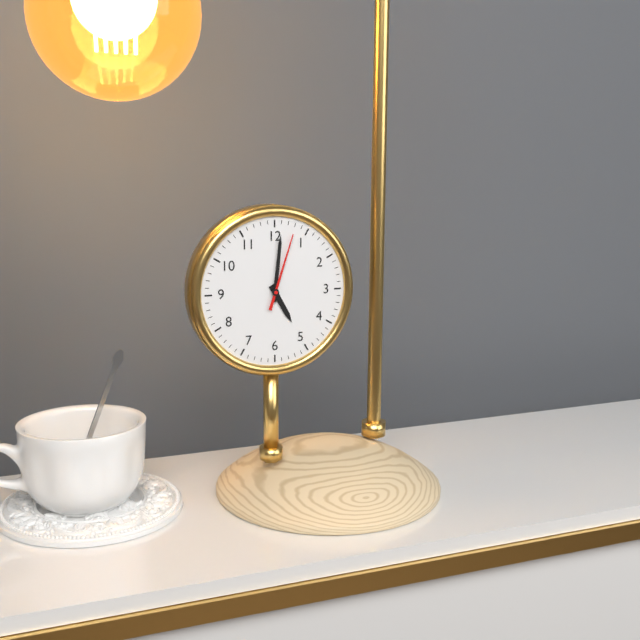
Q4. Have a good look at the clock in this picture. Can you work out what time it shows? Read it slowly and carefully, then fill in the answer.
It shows 5:01:03
